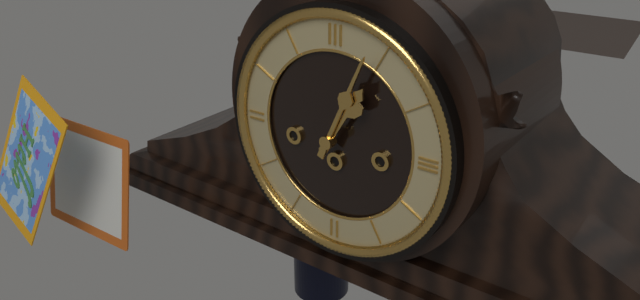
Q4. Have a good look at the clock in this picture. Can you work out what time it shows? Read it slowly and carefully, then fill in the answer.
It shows 1:04
